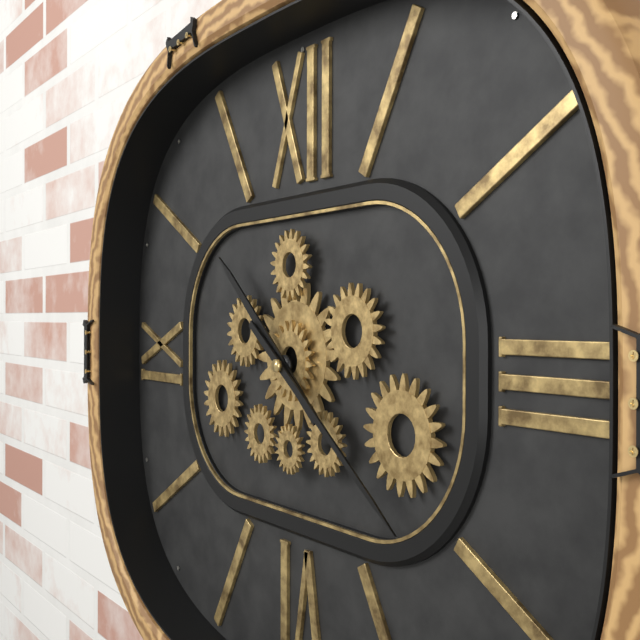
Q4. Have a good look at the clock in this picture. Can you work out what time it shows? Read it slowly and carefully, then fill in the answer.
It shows 10:21
